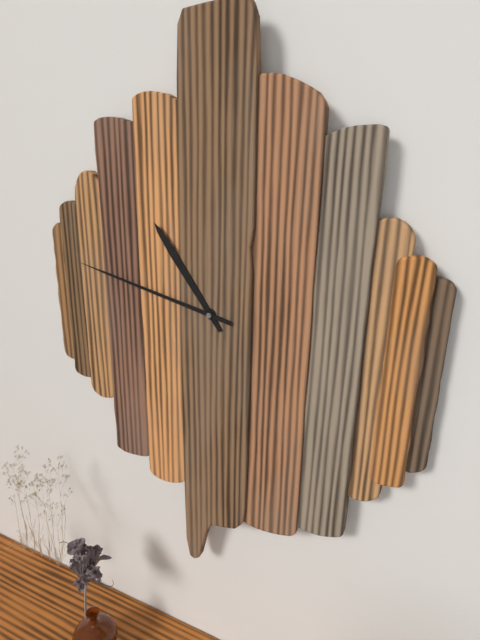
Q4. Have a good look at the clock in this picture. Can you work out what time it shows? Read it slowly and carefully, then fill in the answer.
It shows 10:47
